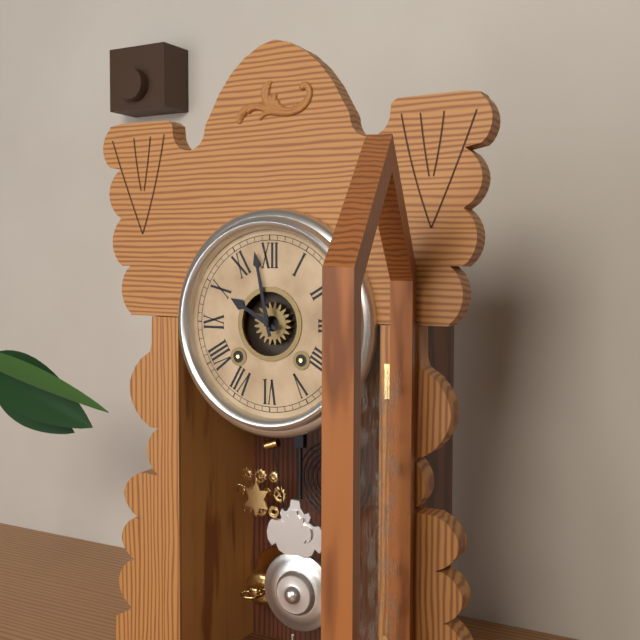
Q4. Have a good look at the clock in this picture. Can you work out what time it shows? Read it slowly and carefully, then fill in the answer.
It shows 9:58
